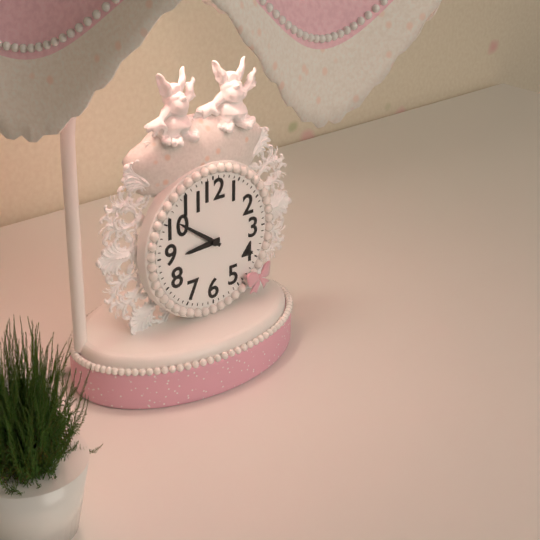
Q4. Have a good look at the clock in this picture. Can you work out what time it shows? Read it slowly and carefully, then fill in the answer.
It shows 8:51
